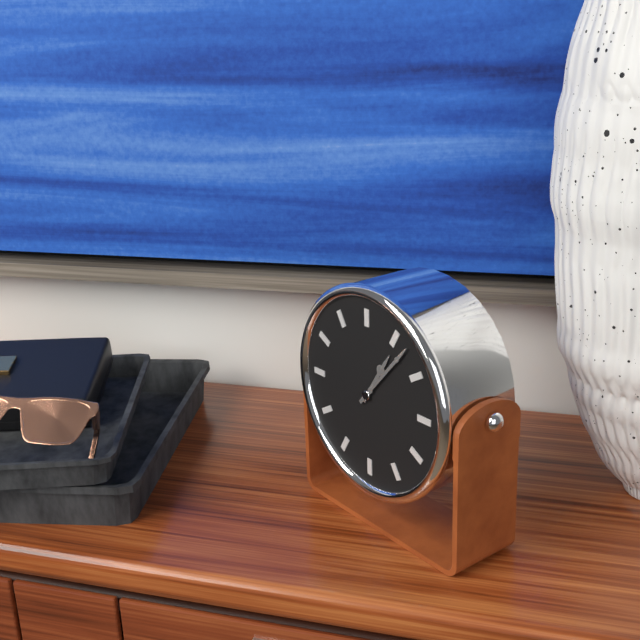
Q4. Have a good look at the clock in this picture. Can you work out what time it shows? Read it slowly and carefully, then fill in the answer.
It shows 1:07
